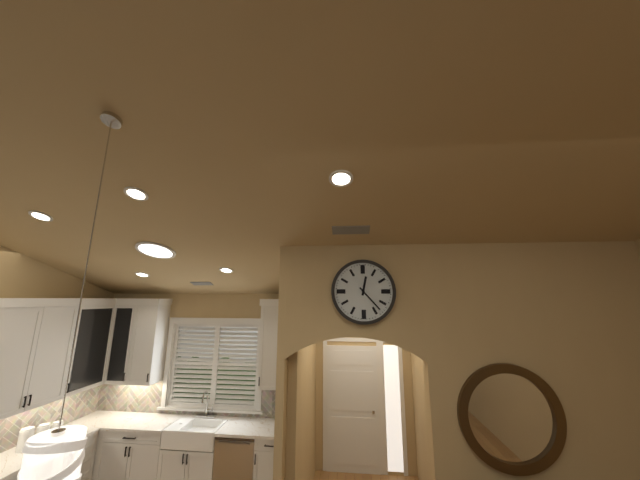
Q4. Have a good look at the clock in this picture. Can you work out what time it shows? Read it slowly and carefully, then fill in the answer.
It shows 12:23
